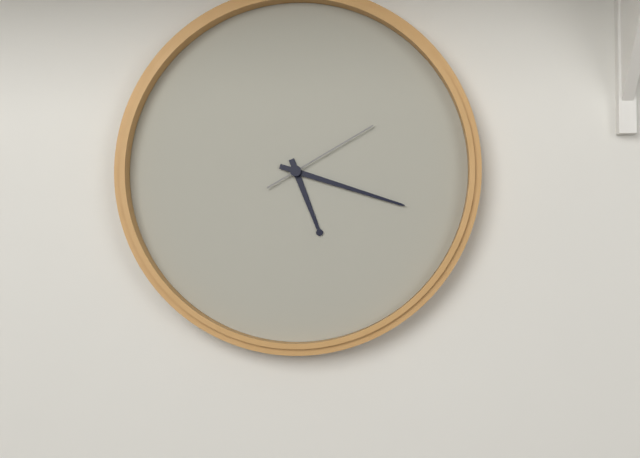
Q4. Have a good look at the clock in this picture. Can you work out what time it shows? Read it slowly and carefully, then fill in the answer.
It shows 5:18:10
